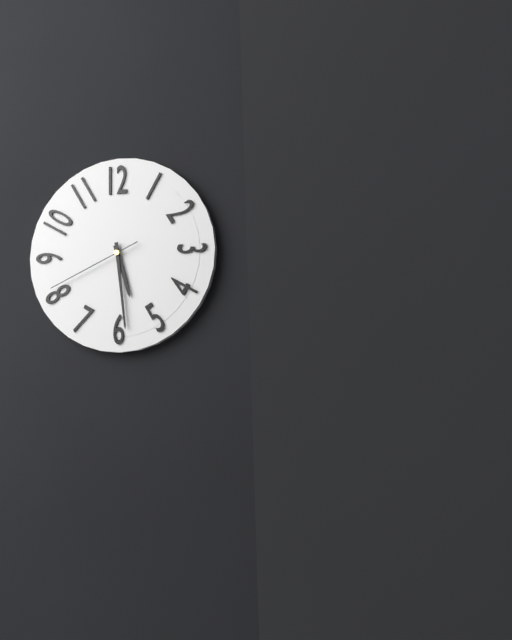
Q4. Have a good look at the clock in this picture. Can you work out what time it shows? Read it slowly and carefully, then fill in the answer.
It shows 5:29:41
